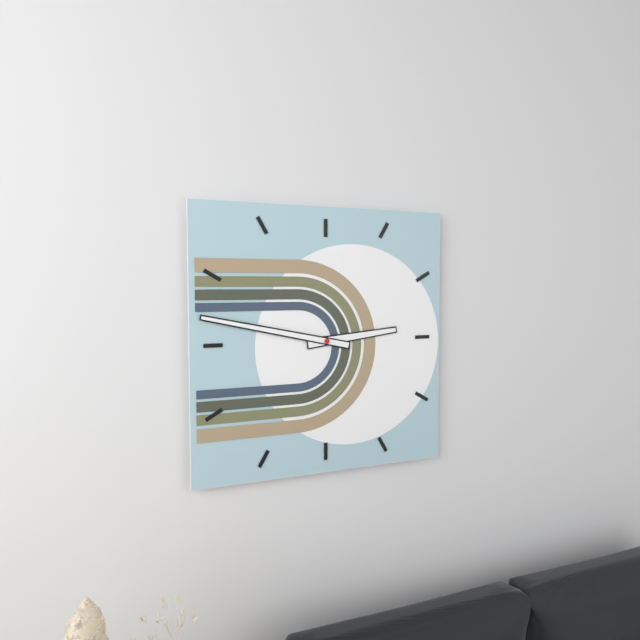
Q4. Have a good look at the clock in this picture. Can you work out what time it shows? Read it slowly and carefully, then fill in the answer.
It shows 2:47
